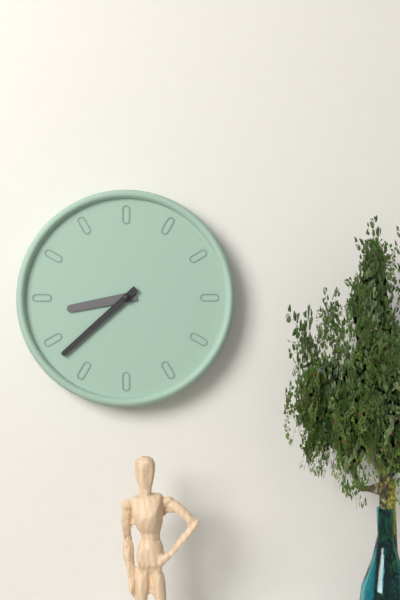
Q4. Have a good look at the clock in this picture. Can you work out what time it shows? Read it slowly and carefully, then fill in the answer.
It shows 8:38
